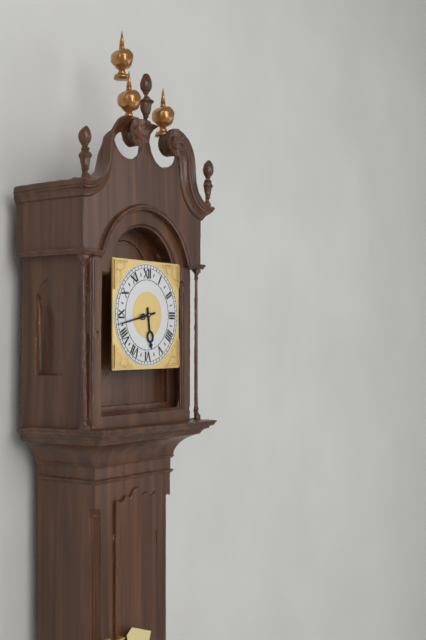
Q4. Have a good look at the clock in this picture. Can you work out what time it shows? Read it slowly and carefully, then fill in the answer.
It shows 5:43
